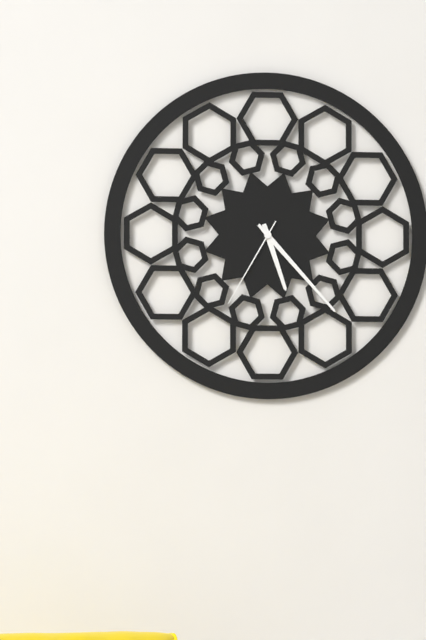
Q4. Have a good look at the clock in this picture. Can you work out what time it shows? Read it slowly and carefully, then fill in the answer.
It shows 5:23:35
